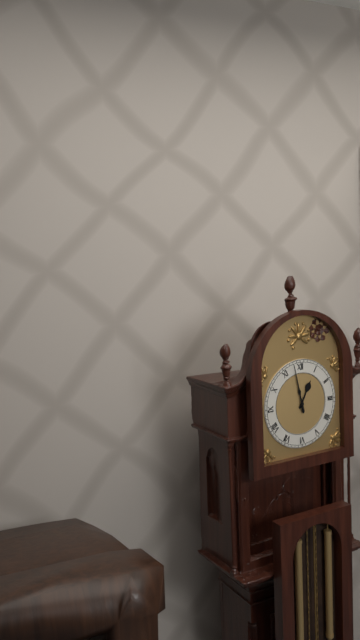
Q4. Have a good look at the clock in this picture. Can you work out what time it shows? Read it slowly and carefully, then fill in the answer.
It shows 12:58
